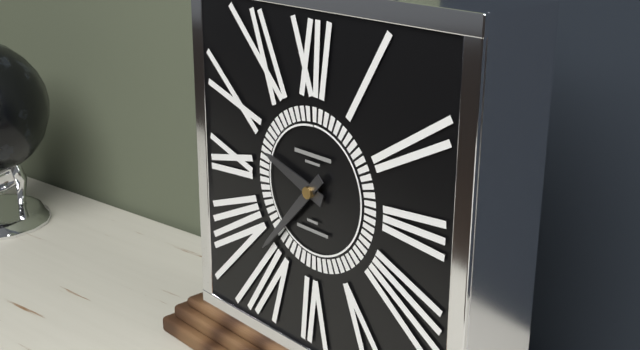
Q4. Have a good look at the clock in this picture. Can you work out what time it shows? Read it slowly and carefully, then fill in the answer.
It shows 9:37
